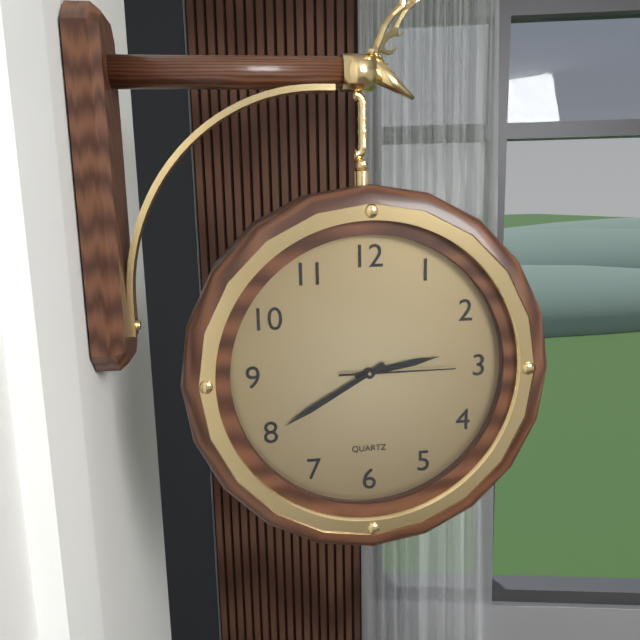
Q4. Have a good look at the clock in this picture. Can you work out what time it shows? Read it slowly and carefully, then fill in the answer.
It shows 2:40:15
